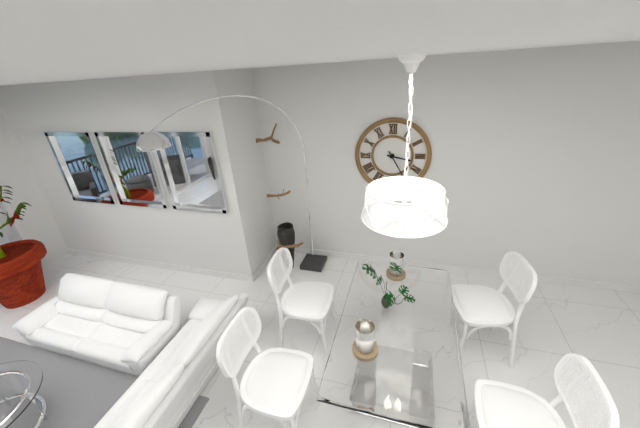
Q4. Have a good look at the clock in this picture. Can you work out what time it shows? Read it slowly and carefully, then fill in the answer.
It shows 3:25
